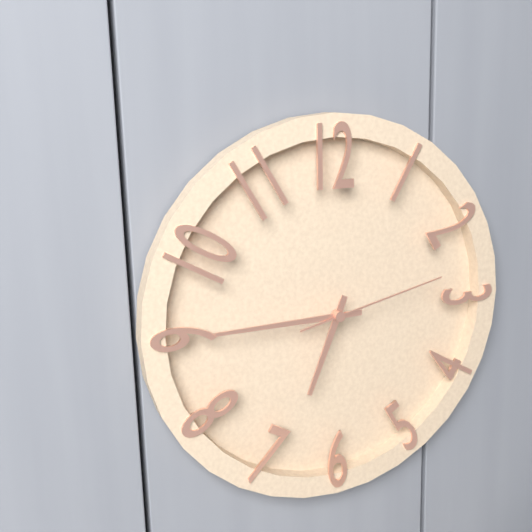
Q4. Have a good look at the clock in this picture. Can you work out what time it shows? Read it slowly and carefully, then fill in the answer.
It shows 6:45:13
